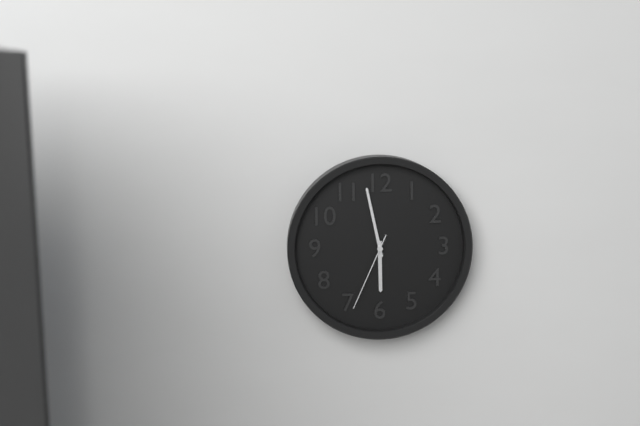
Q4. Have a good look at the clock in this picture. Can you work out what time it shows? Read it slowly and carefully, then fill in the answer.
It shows 5:58:34
